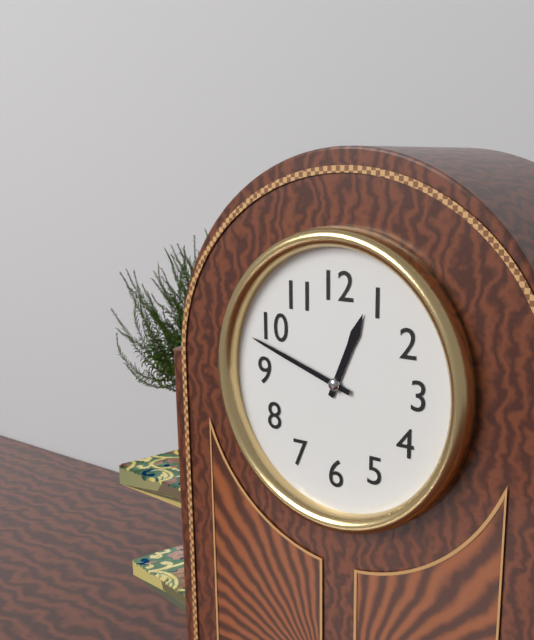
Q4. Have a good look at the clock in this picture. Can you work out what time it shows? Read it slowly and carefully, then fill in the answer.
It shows 12:48
